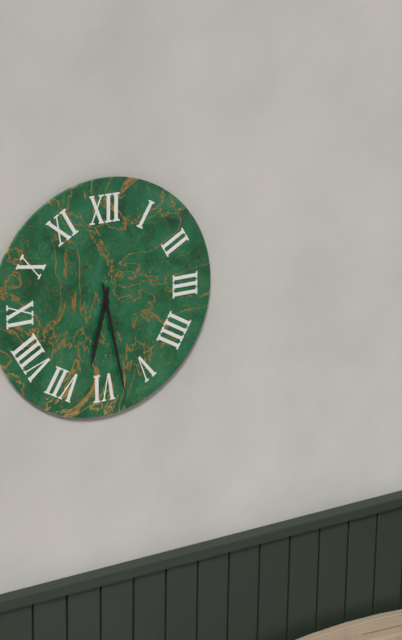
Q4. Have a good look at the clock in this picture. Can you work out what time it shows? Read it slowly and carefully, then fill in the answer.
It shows 6:28
